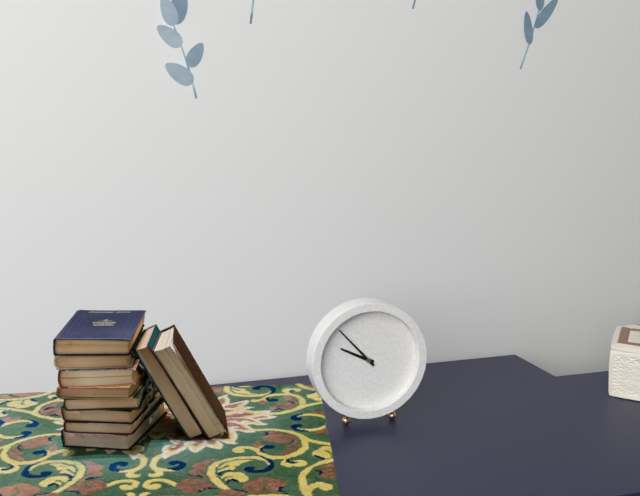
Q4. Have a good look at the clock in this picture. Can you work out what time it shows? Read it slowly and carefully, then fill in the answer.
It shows 9:53
